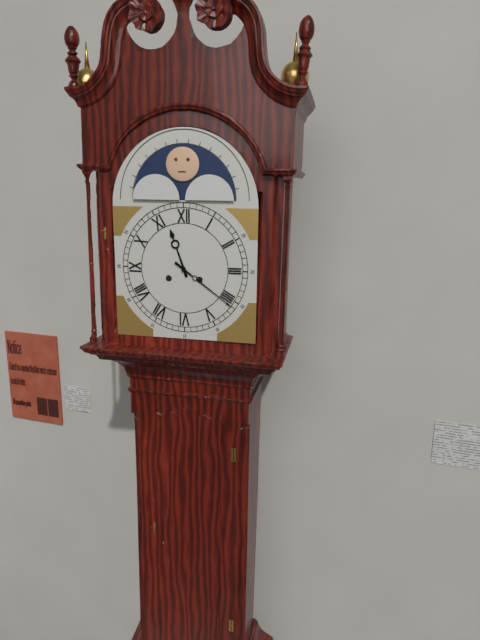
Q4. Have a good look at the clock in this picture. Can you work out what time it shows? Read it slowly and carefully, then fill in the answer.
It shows 11:21
